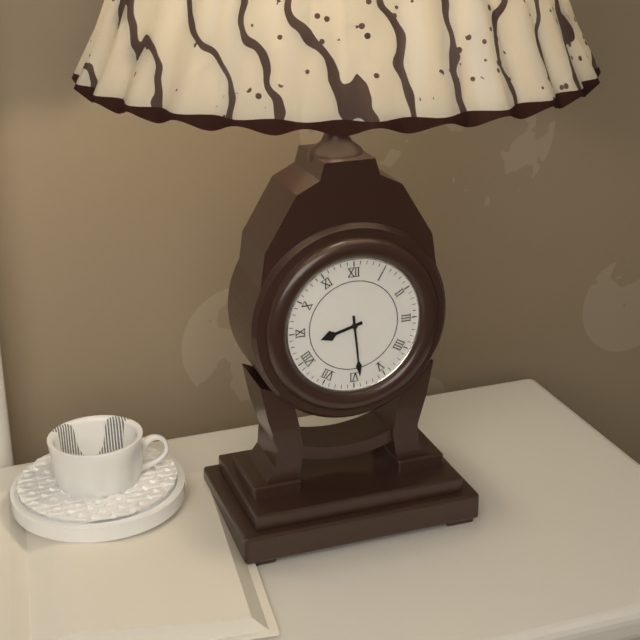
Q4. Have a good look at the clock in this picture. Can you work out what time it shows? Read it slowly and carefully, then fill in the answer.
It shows 8:29
